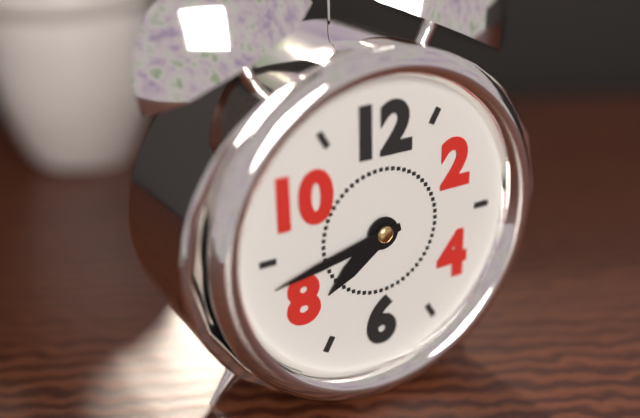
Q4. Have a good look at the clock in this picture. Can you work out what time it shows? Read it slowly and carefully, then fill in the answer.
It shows 7:43
